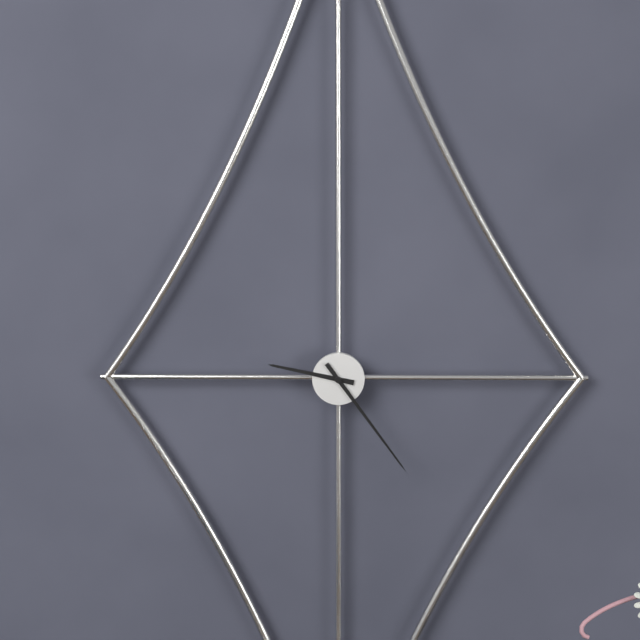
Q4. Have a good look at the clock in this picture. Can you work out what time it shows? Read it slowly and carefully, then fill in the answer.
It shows 9:24
